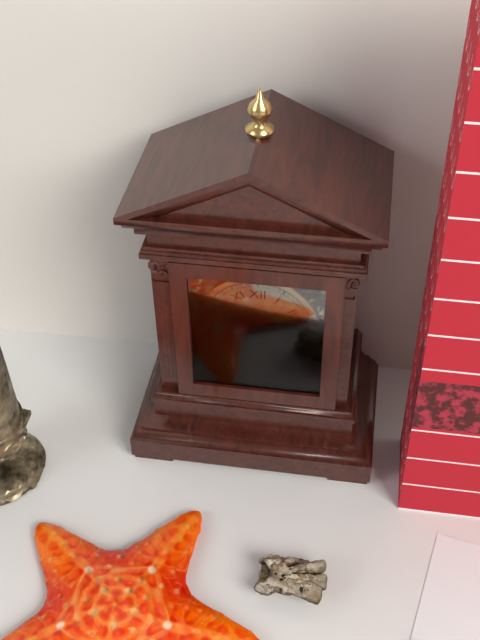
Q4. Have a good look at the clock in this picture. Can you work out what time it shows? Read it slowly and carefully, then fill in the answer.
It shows 7:43
